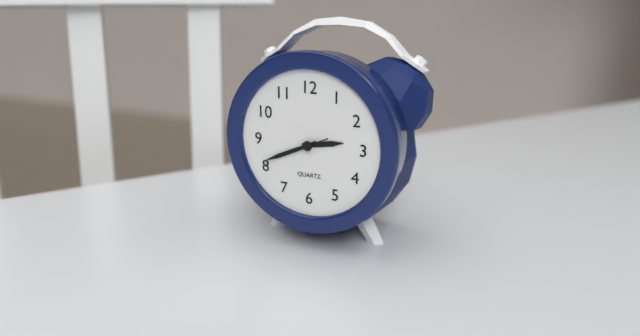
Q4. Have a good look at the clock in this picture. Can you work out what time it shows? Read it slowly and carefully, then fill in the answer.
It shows 2:41:41
